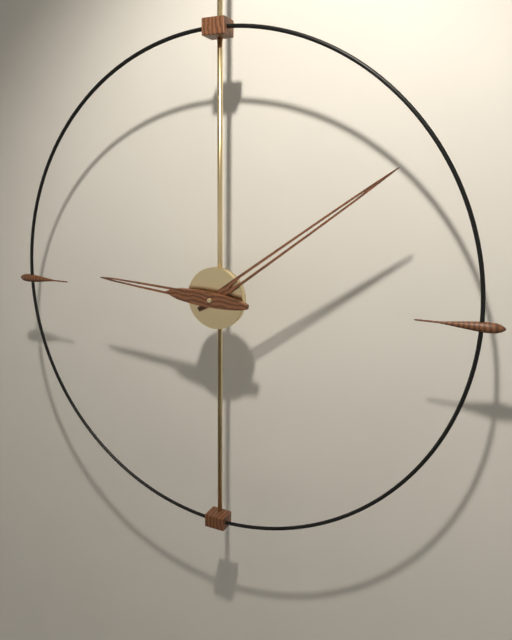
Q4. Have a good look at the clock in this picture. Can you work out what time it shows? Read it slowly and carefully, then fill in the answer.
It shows 9:09
